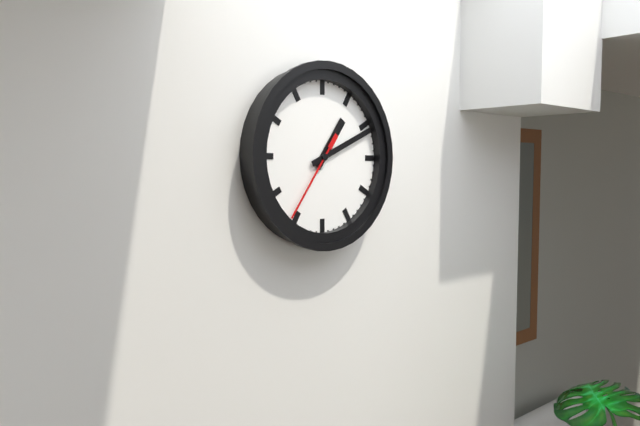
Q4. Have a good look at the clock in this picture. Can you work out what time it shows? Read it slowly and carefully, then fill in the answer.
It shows 1:11:36
